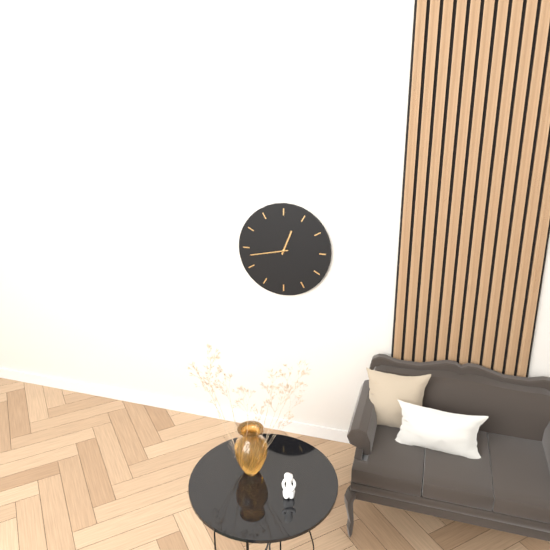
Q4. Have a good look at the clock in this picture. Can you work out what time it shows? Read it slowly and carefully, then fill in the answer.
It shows 12:43
